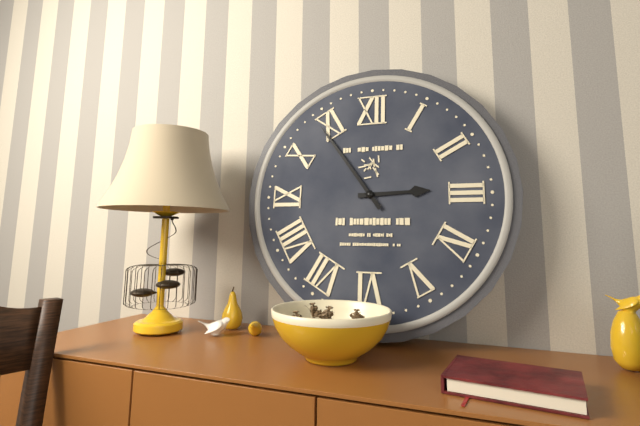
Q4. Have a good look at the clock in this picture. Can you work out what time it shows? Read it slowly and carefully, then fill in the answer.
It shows 2:54
